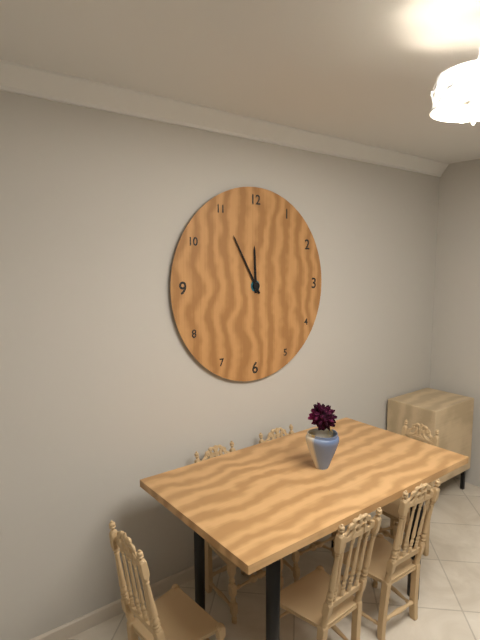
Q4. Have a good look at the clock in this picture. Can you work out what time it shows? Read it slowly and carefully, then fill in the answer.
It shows 11:55
